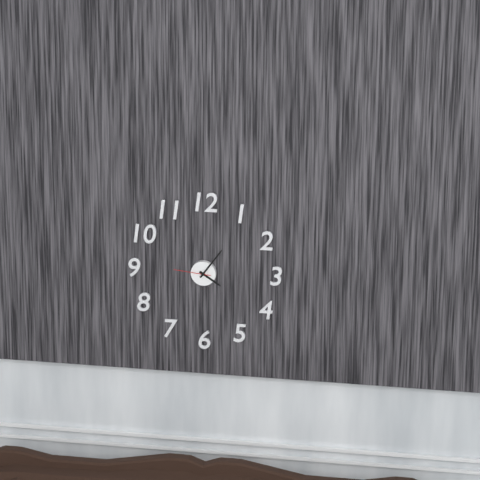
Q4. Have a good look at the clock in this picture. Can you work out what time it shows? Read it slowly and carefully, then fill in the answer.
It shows 4:06
